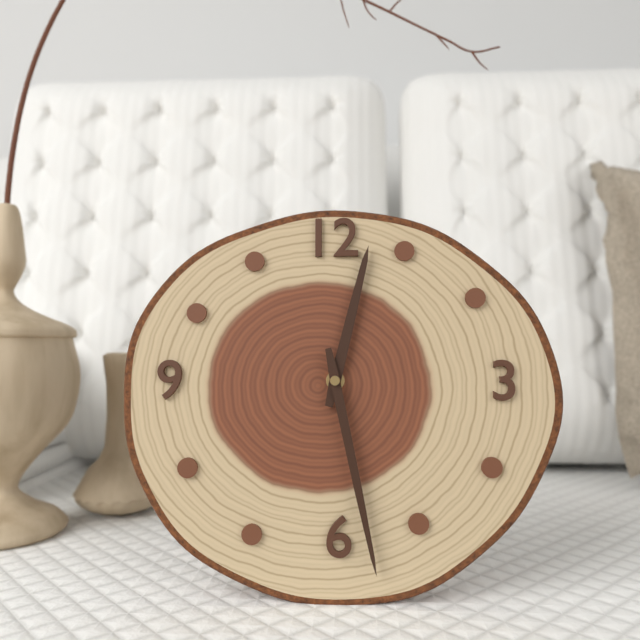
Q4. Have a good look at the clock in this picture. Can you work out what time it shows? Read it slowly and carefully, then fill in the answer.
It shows 12:28
